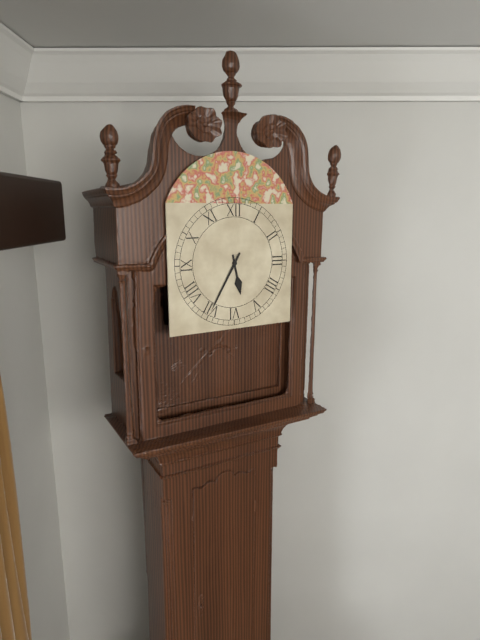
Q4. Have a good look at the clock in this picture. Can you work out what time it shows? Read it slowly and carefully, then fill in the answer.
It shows 5:35
